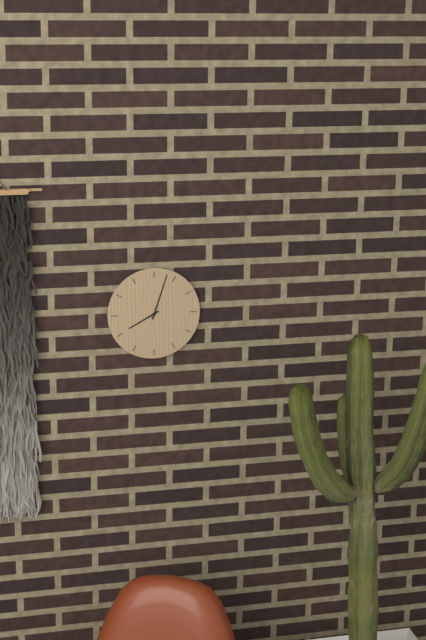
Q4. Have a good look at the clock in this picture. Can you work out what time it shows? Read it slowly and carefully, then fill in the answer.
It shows 8:03
